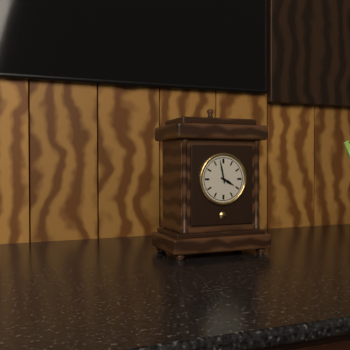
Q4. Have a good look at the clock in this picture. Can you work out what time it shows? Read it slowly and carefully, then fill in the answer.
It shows 3:58
